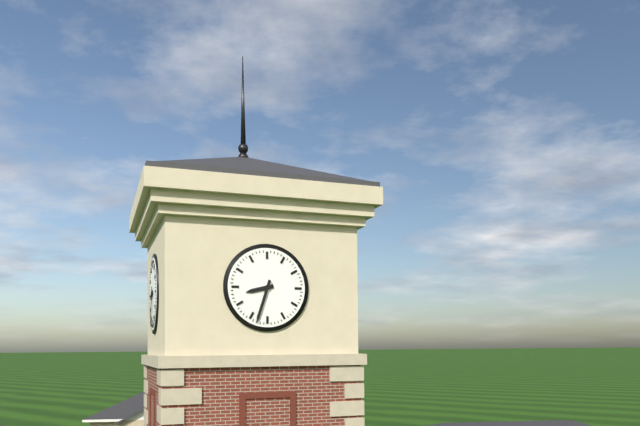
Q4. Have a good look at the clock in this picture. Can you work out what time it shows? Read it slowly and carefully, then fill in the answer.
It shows 8:33
